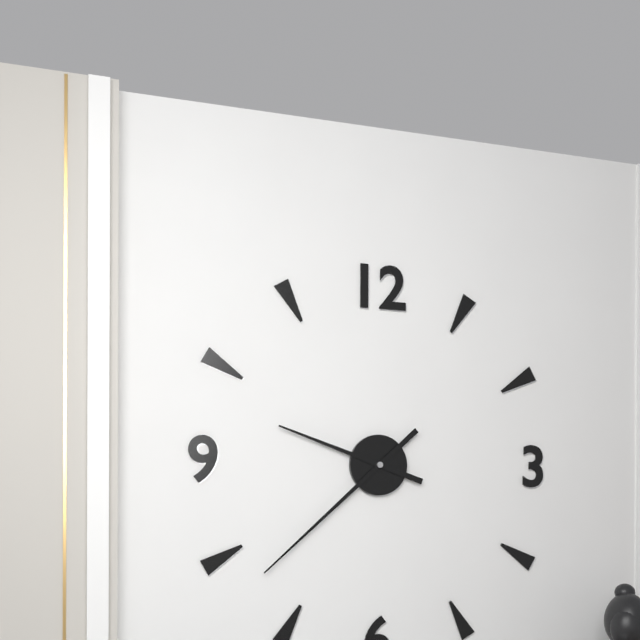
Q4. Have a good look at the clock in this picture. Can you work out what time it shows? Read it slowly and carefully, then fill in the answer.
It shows 9:38
